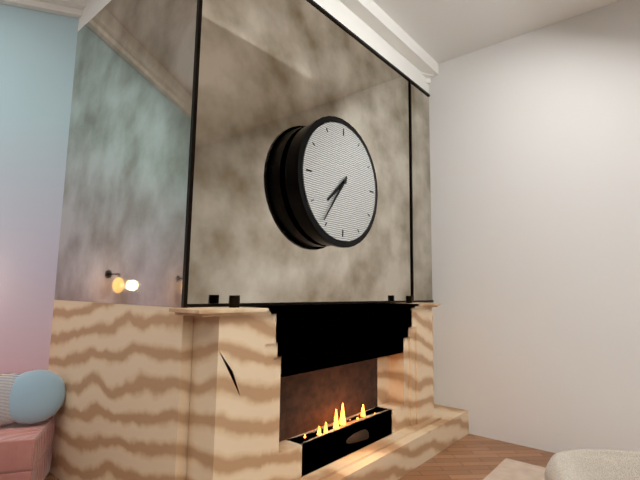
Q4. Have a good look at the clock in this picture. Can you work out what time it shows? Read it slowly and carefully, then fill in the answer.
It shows 7:36
